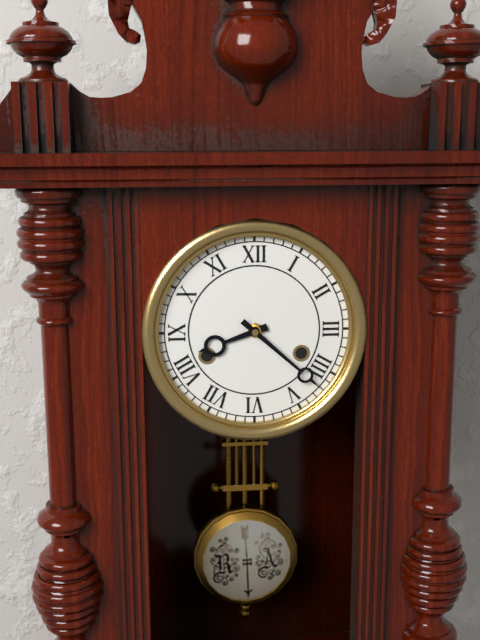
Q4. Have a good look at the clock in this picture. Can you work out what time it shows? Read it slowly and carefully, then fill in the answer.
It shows 8:22
